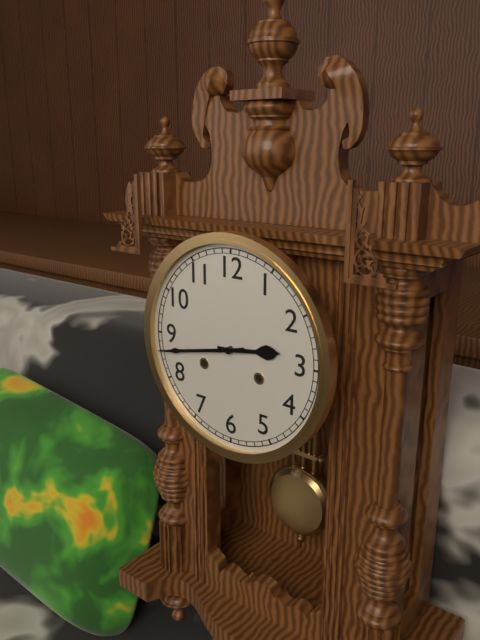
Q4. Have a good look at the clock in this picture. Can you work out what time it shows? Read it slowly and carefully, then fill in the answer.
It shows 2:43
